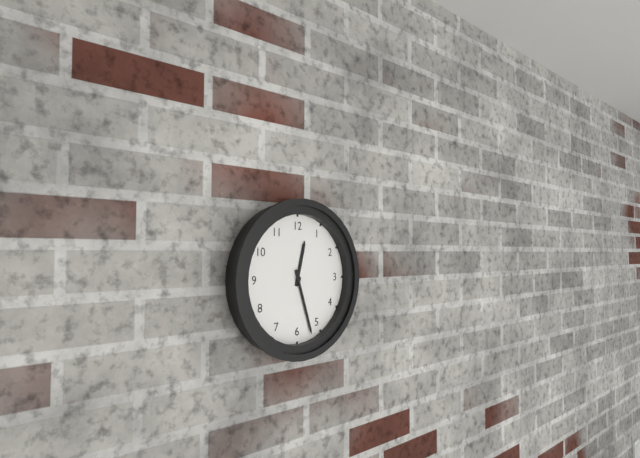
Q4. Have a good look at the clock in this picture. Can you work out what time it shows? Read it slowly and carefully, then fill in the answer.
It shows 12:27
